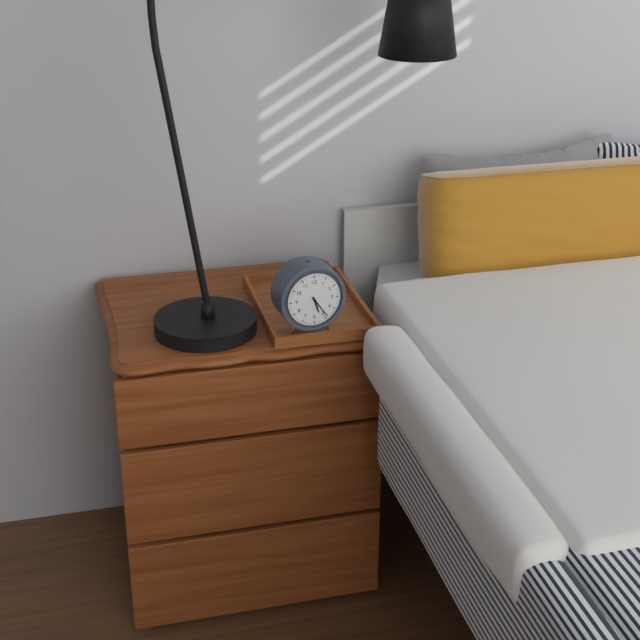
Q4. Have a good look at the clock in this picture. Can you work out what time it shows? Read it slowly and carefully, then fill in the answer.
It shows 5:24
